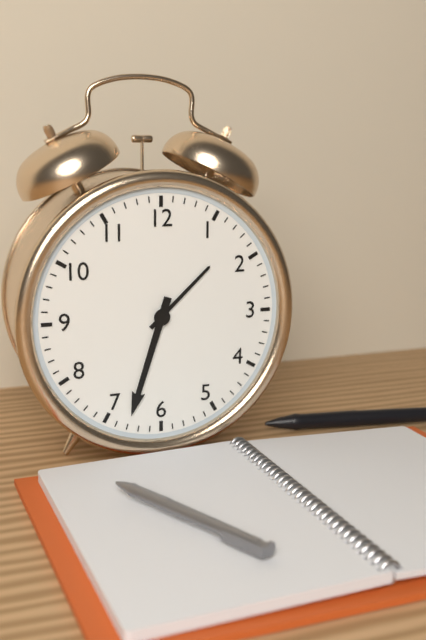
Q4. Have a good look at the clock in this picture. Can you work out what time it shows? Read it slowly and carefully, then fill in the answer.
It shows 1:33
